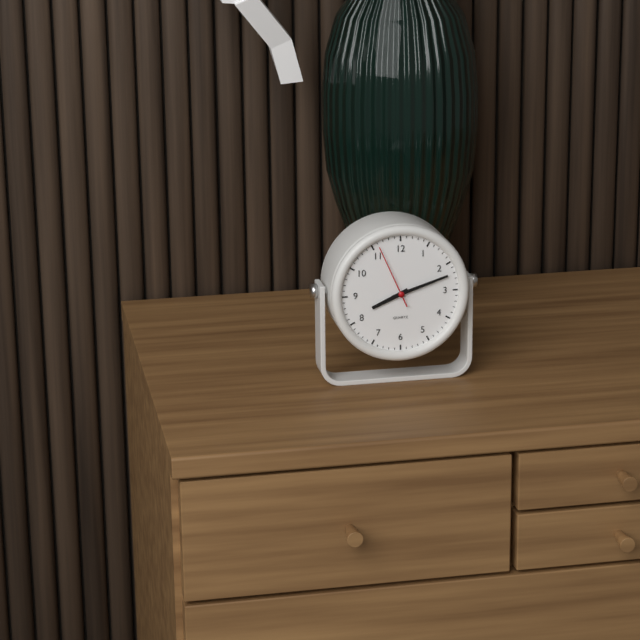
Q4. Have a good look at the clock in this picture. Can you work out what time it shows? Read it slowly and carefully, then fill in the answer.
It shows 8:12:56
